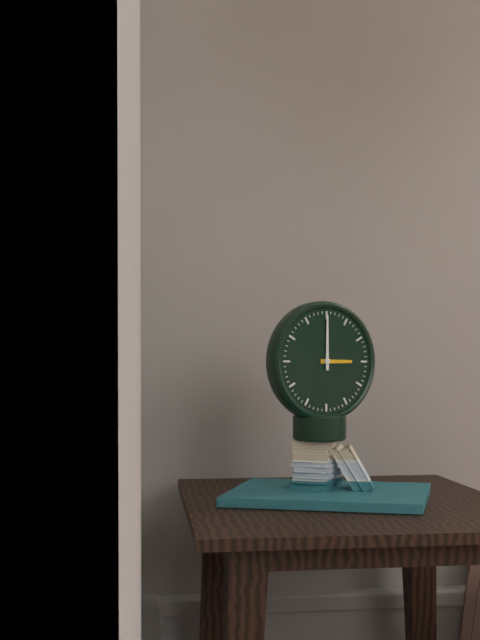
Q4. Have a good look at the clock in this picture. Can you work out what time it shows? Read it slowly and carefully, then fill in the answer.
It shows 3:00
